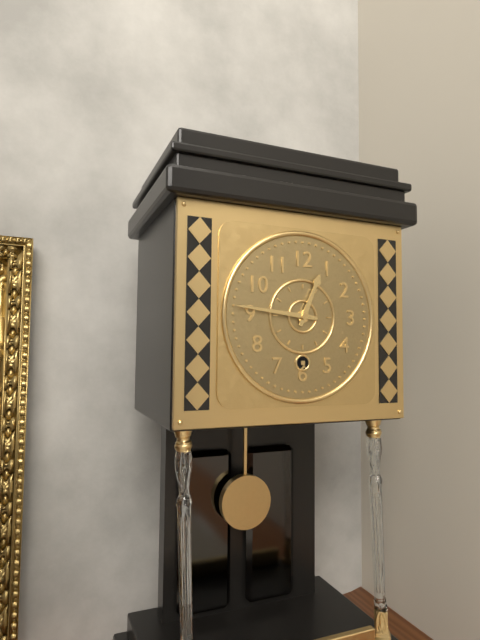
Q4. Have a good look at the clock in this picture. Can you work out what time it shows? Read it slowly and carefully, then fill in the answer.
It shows 12:46
